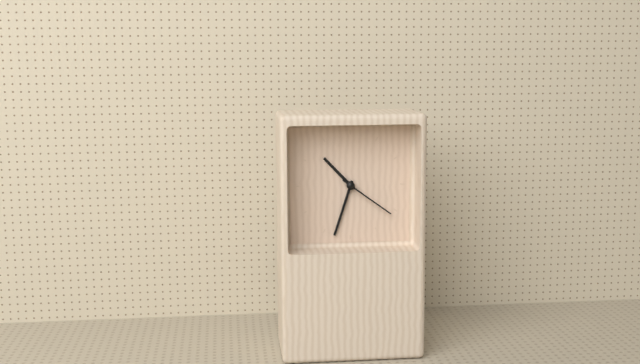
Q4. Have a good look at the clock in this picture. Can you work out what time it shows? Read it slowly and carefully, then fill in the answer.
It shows 10:33:21
